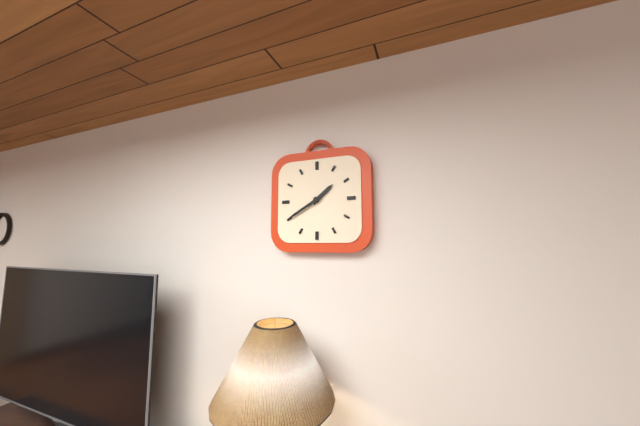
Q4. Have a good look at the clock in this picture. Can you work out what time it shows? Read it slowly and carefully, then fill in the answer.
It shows 1:40
